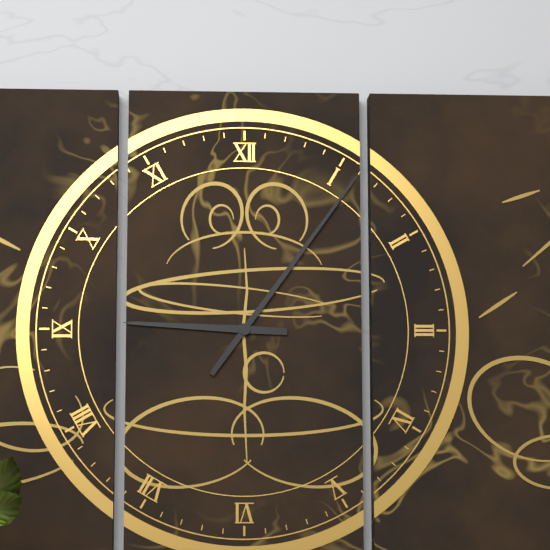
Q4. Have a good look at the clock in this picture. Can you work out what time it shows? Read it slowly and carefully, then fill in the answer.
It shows 9:06
